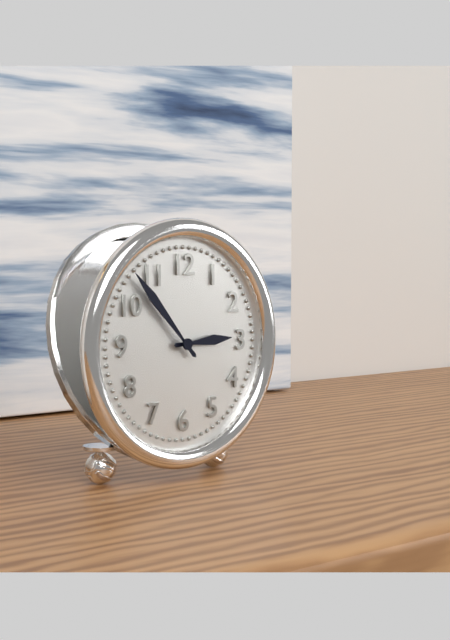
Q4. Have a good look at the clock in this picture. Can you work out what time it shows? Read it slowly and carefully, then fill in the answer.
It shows 2:53
